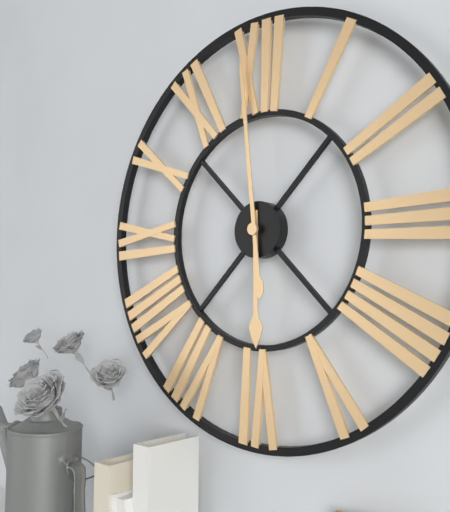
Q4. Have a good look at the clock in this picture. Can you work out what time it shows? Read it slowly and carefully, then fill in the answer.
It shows 5:59
